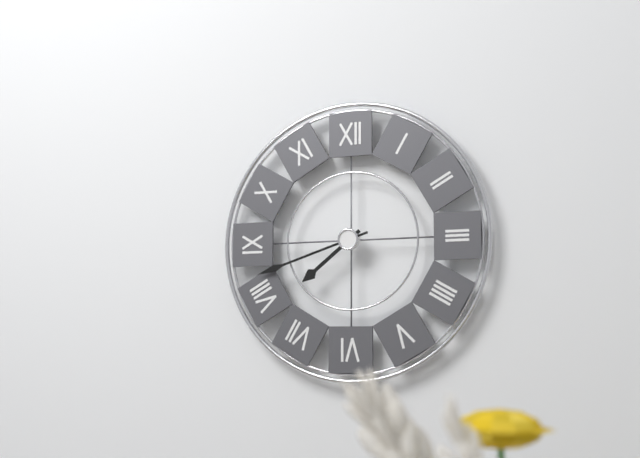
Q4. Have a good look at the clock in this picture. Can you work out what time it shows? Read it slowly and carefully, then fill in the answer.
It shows 7:42
